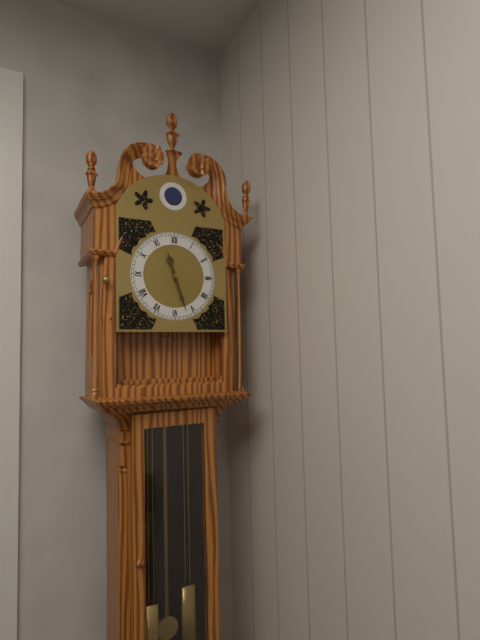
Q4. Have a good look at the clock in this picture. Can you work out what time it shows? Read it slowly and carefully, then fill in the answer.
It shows 11:27
